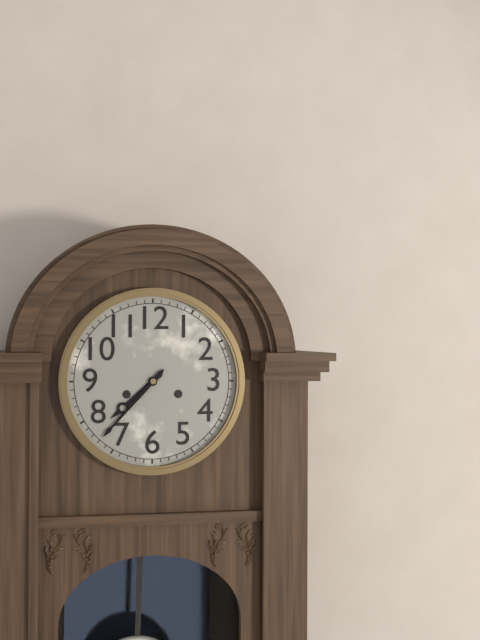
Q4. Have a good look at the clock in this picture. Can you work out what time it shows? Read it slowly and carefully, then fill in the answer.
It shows 7:37
